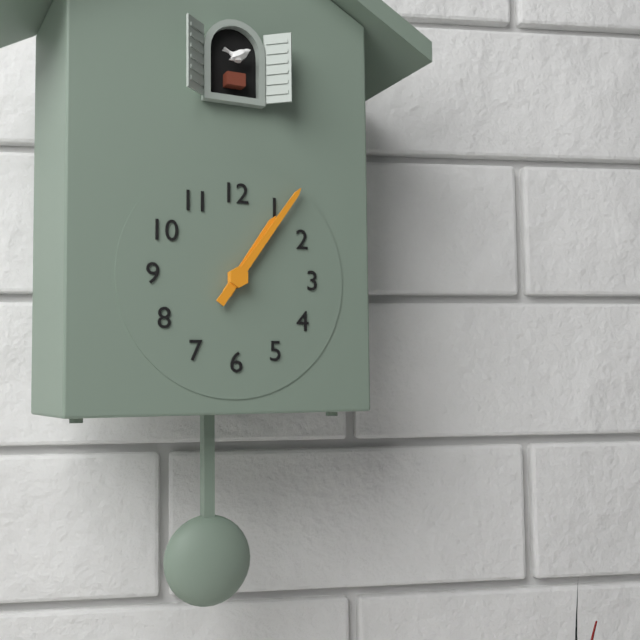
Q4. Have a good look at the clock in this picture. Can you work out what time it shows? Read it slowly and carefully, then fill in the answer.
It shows 1:06
